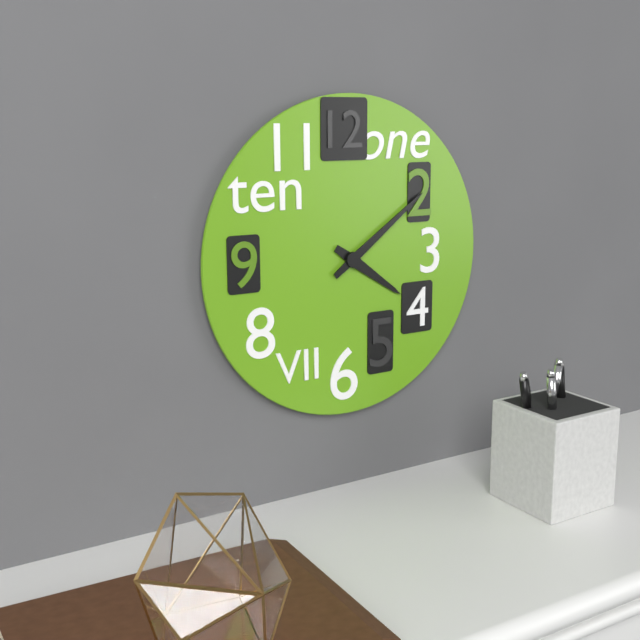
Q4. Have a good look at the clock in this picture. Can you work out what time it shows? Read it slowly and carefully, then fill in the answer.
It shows 4:09
